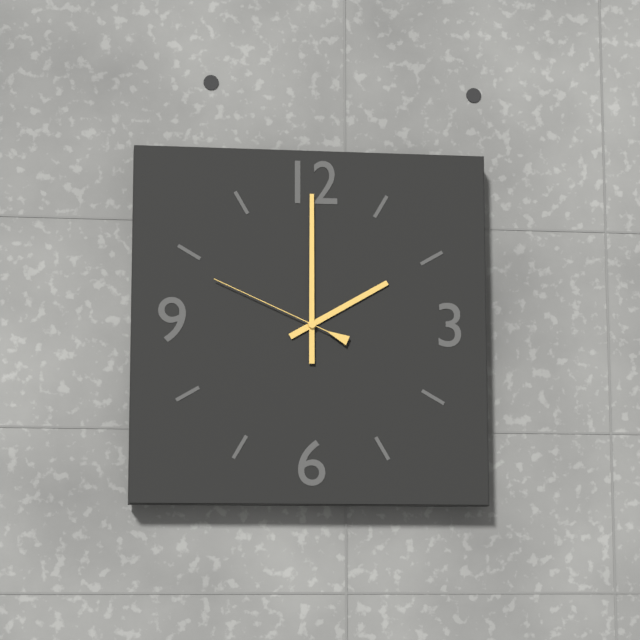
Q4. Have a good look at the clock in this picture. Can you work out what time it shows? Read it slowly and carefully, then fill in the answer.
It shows 2:00:49
